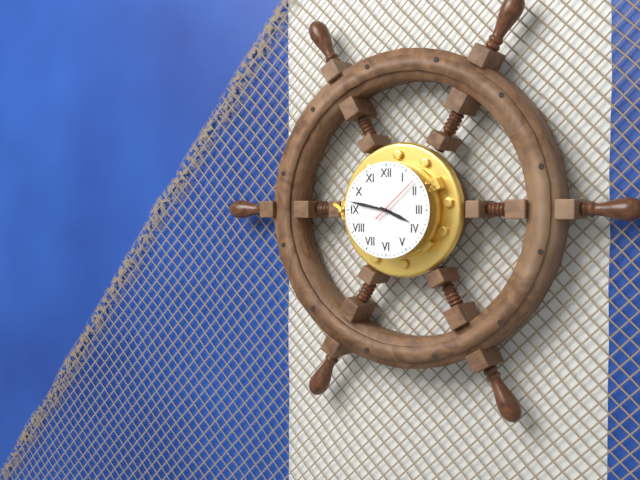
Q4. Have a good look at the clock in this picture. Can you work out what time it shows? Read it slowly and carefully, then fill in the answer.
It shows 3:47:08
